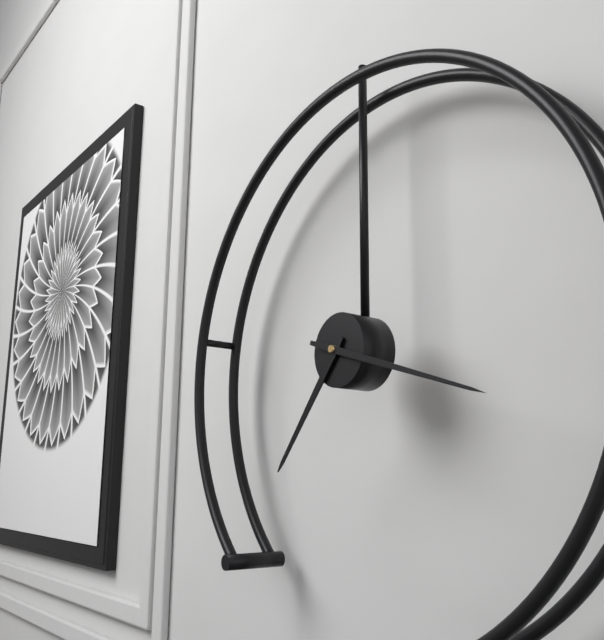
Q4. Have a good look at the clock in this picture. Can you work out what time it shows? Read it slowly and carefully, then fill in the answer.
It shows 7:18
